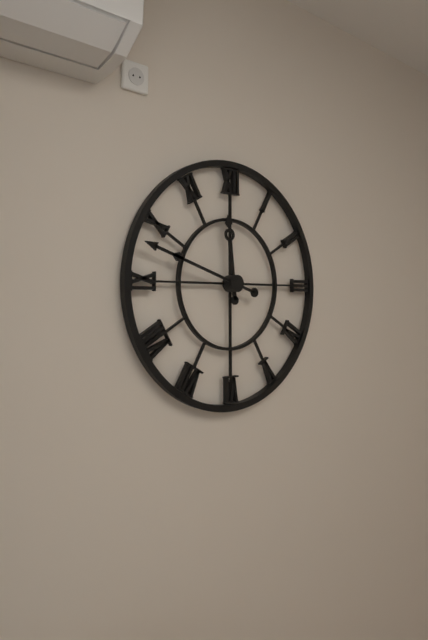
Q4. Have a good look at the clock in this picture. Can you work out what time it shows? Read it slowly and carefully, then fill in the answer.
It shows 11:48
